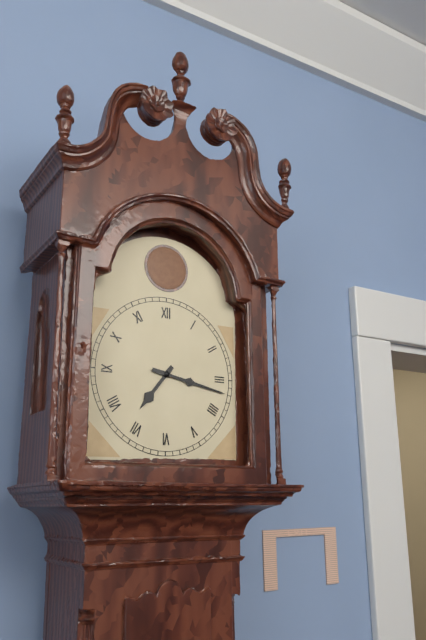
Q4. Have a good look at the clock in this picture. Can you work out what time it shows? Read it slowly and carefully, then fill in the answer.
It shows 7:17
